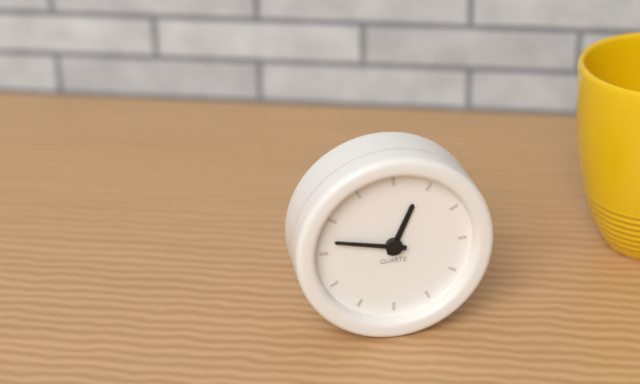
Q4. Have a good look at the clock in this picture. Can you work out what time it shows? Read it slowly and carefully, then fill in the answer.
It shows 12:47
